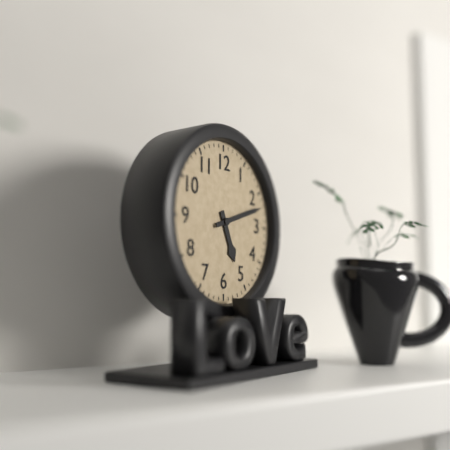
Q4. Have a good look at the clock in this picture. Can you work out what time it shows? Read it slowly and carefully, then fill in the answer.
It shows 5:12
